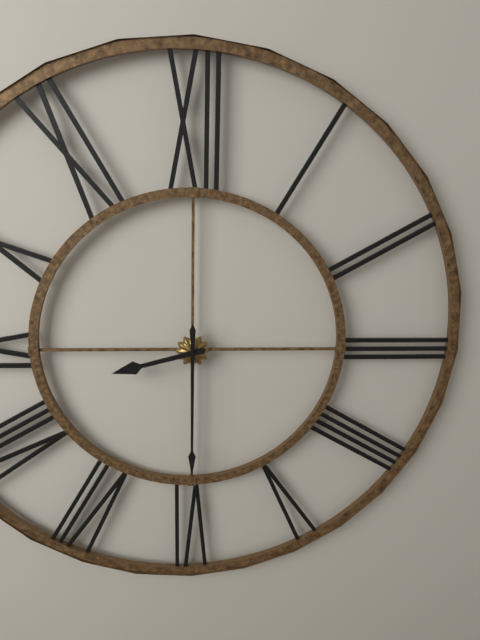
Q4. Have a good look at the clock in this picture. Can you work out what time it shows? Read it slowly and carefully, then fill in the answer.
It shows 8:30
